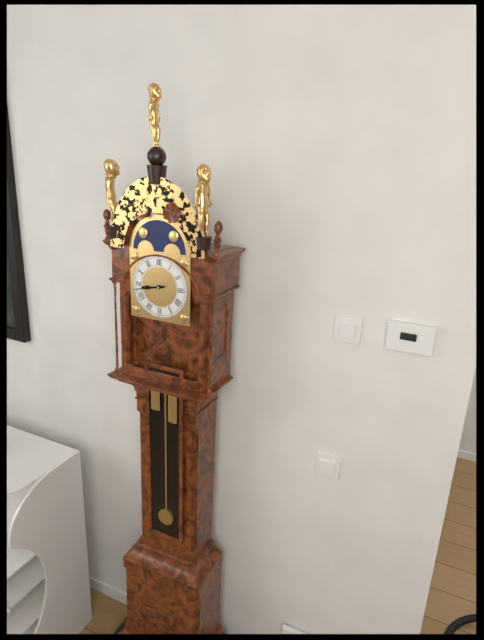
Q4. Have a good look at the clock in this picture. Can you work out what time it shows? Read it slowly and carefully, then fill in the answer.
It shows 8:43
